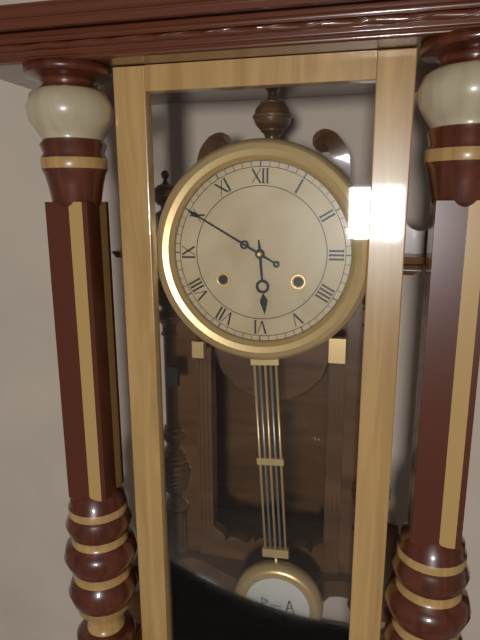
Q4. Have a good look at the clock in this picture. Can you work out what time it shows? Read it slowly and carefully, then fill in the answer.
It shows 5:50
